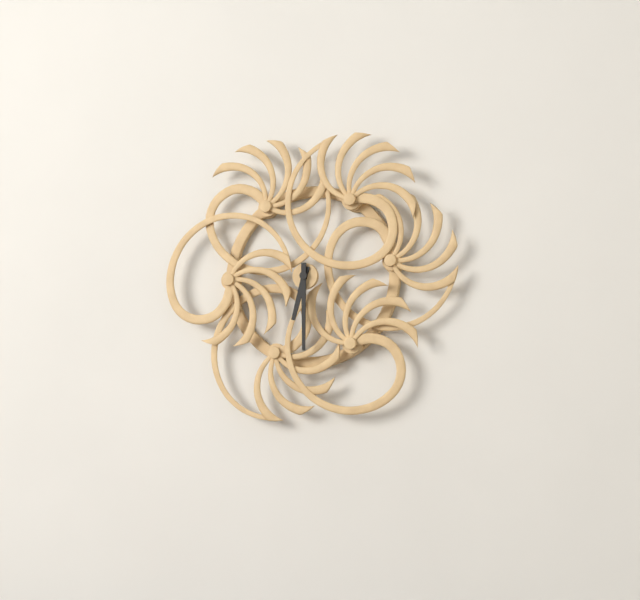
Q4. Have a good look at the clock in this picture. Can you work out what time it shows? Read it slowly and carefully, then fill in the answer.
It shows 6:30
